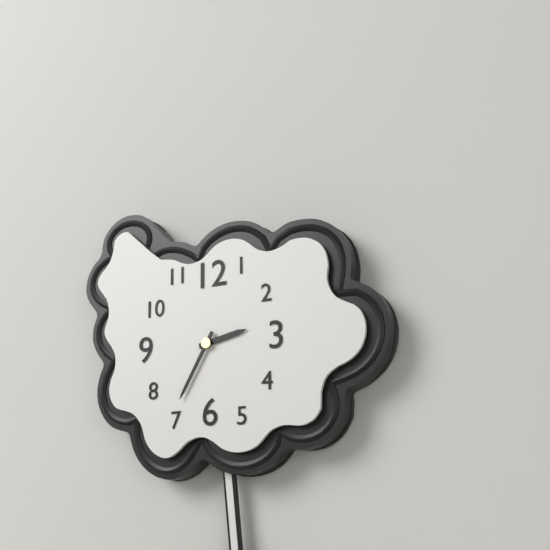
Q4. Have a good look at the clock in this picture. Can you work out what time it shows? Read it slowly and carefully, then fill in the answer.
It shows 2:35
